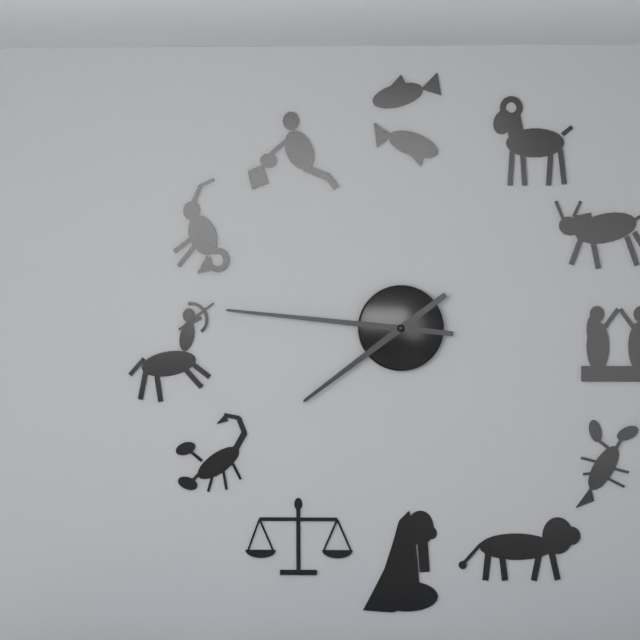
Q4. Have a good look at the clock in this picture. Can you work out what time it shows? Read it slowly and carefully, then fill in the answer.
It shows 7:46
